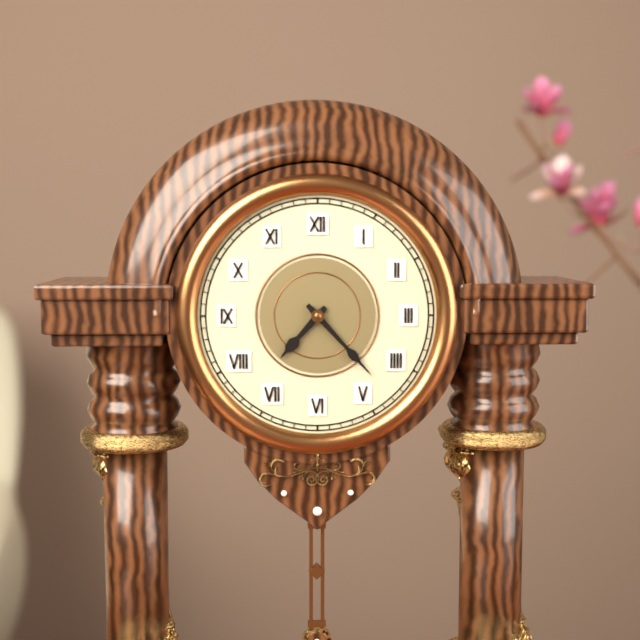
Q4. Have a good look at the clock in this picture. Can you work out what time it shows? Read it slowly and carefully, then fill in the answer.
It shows 7:23
